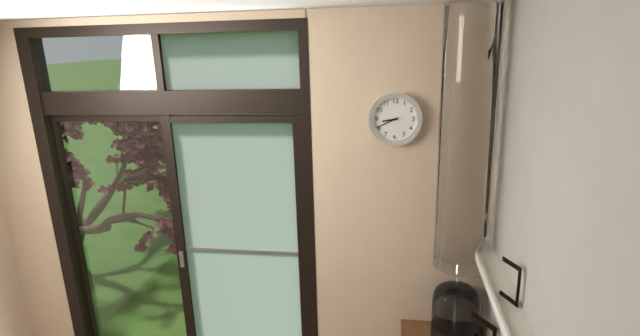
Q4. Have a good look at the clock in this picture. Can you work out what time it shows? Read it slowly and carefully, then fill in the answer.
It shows 8:41
